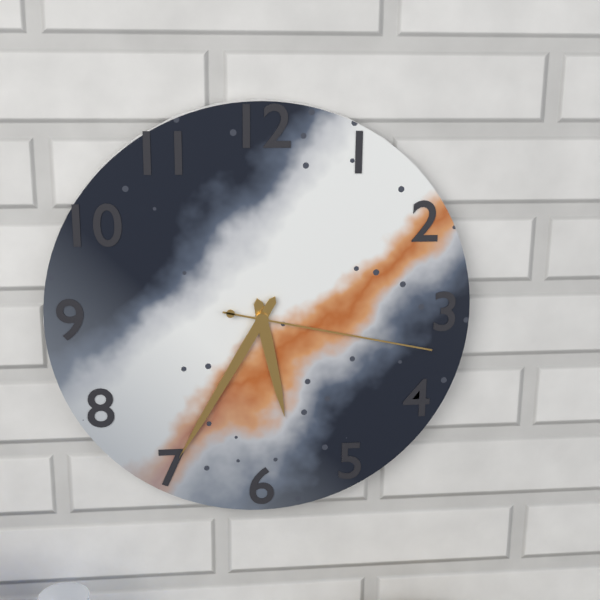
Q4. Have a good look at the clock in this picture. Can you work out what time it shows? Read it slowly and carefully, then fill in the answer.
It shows 5:35:17
